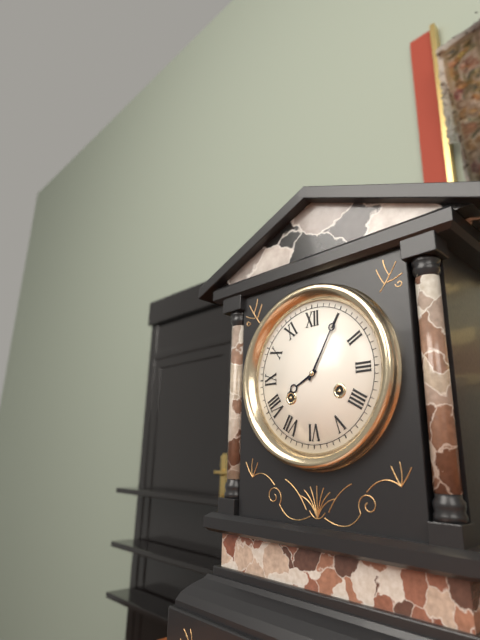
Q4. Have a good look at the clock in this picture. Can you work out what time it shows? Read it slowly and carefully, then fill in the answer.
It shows 8:05
